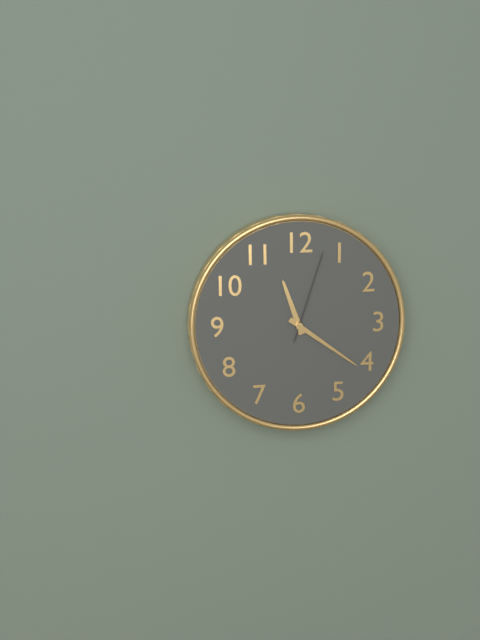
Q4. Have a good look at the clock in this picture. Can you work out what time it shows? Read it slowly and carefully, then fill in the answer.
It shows 11:21:03
